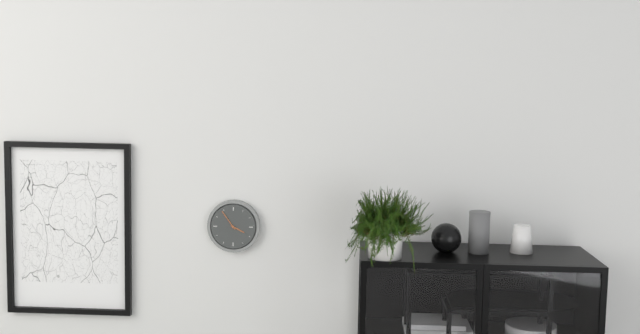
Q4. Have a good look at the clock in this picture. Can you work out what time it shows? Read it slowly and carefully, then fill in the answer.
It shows 3:54
